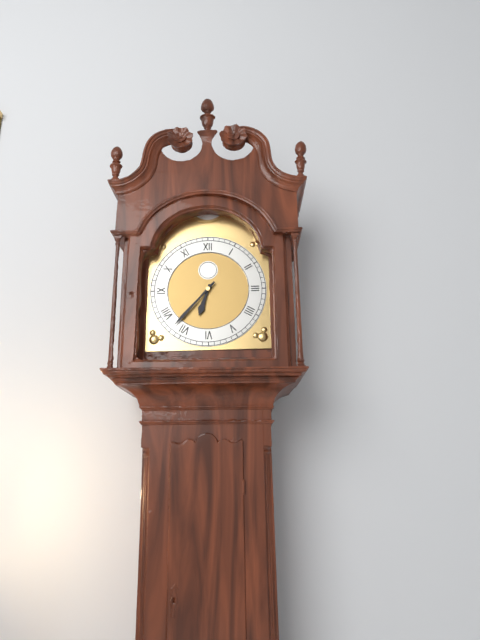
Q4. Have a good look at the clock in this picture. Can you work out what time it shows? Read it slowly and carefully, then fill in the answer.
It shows 6:37
